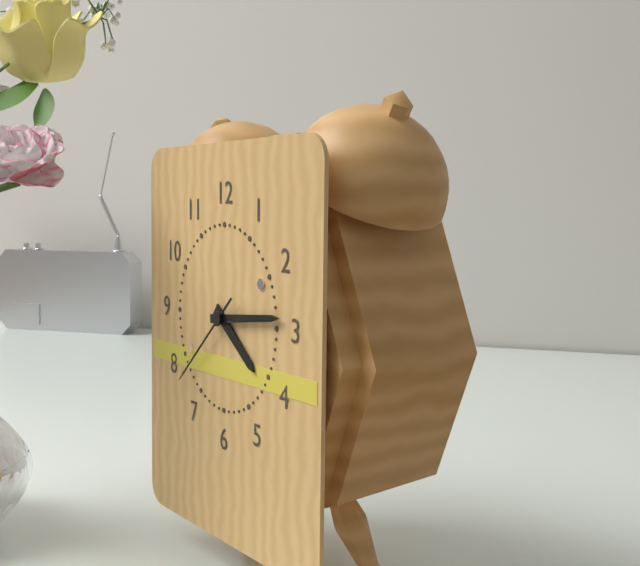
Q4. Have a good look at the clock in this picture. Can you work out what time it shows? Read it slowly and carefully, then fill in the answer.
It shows 4:14:38
